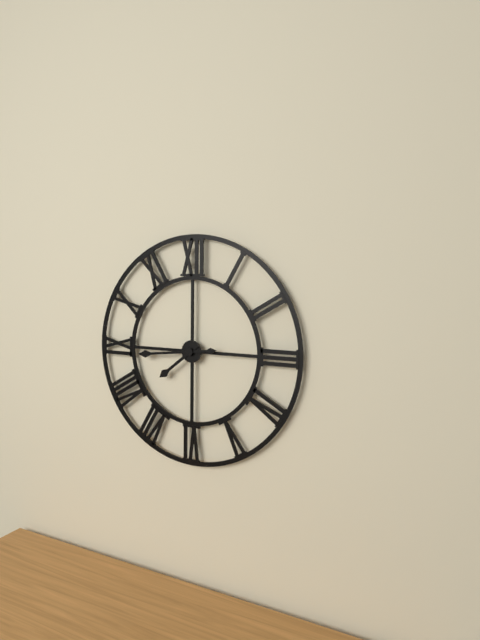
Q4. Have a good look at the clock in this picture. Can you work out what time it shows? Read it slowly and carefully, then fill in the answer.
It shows 7:44
